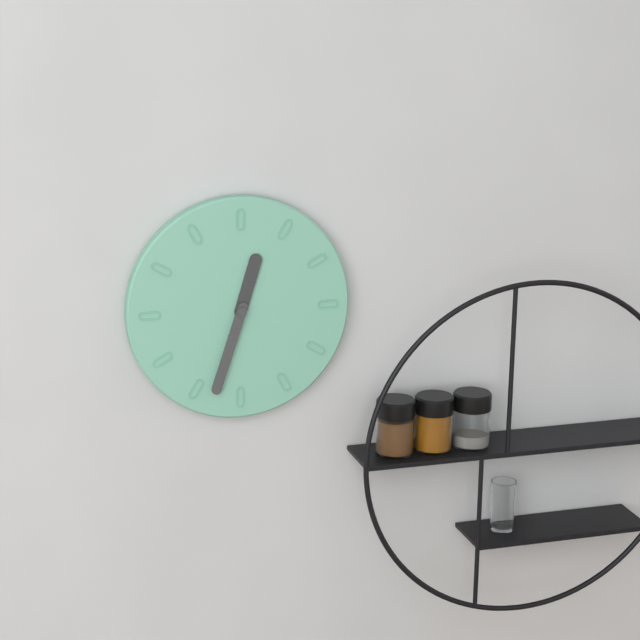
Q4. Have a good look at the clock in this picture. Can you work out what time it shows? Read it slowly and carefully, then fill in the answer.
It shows 12:33
